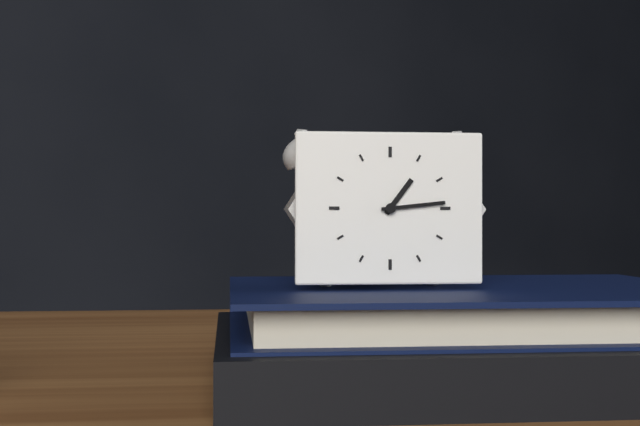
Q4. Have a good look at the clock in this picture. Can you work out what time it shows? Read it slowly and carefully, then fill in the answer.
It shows 1:14
